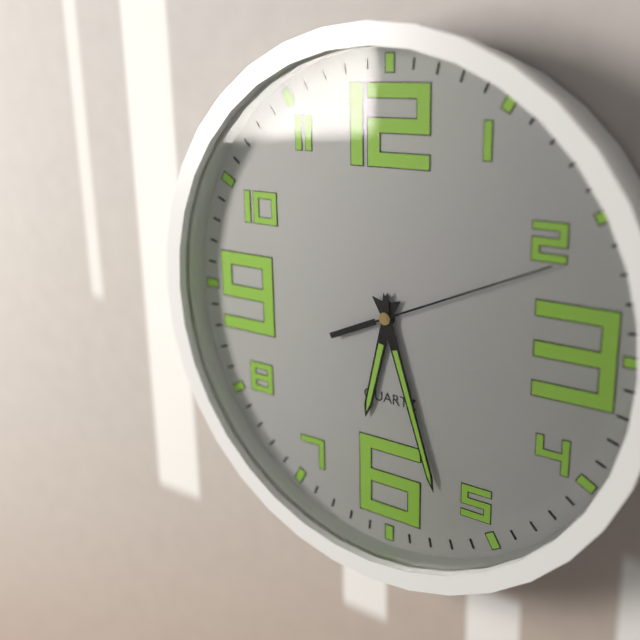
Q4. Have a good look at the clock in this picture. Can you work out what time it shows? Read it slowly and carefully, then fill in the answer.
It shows 6:27:11
